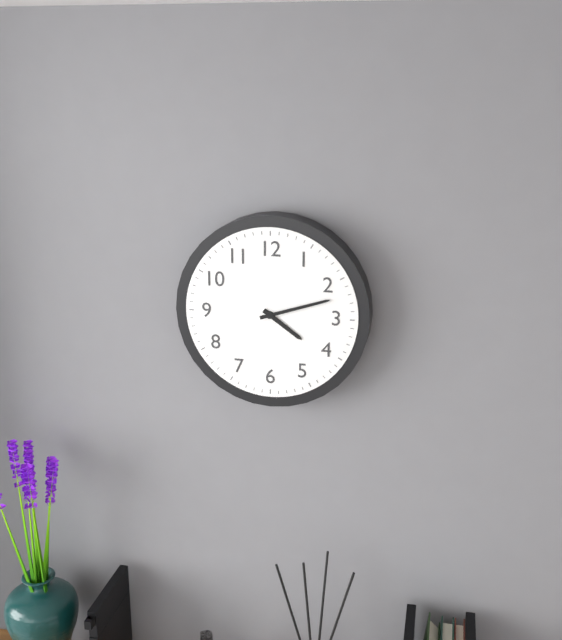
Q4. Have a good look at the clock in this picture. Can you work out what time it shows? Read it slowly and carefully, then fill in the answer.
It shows 4:12
